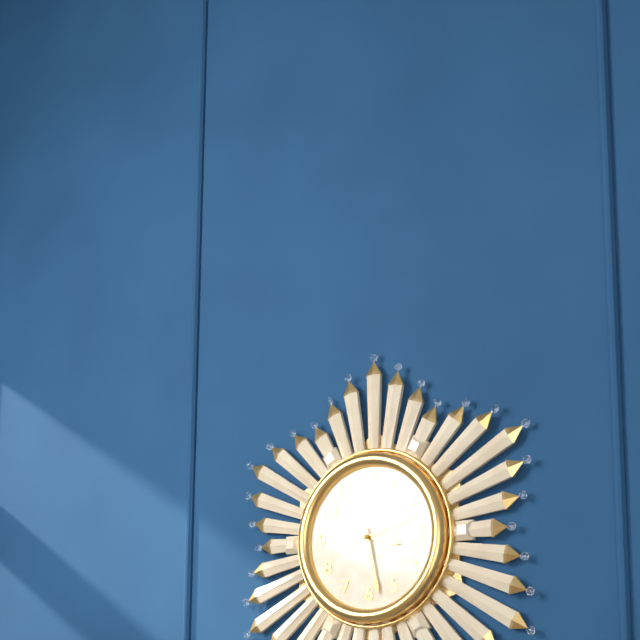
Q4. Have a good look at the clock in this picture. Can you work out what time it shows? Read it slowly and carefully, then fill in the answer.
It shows 3:28:12
